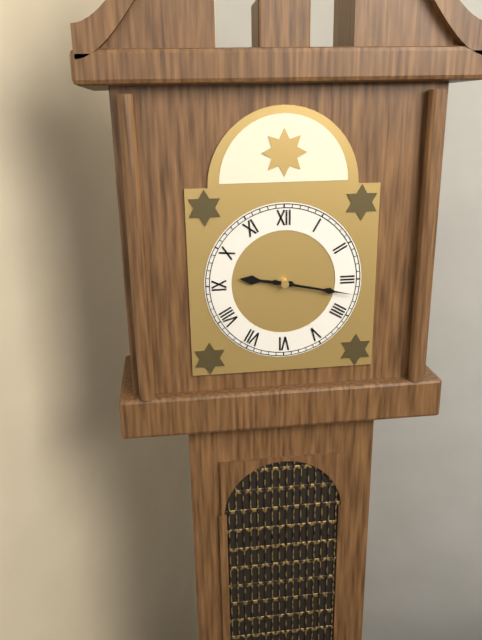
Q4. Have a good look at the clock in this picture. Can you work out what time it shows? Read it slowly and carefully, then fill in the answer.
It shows 9:17
